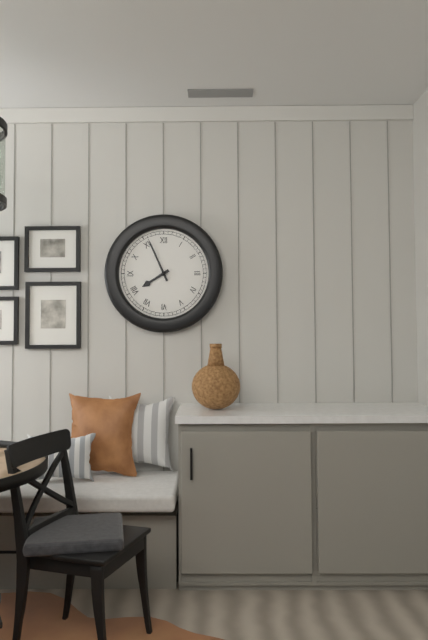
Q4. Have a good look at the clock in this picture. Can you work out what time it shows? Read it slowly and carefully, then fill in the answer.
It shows 7:56
